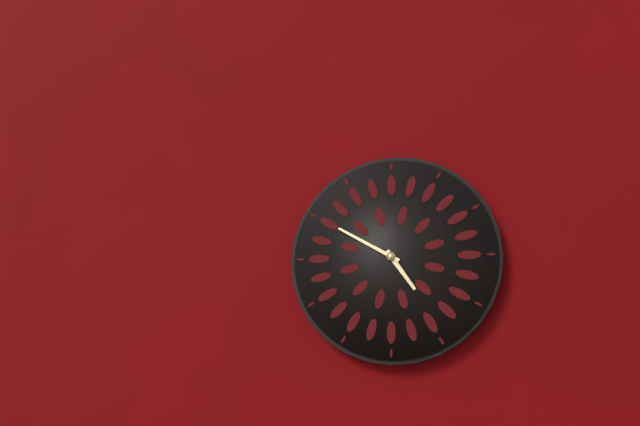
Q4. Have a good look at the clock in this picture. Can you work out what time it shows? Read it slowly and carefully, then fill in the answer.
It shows 4:50
